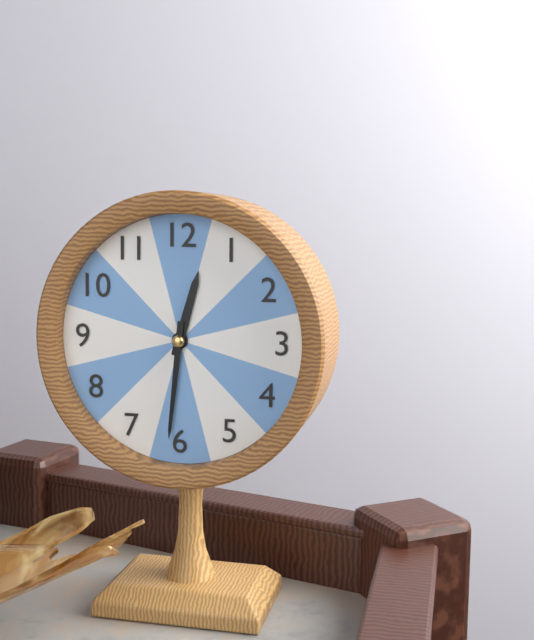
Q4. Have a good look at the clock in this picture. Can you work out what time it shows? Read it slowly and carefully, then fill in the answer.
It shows 12:31
